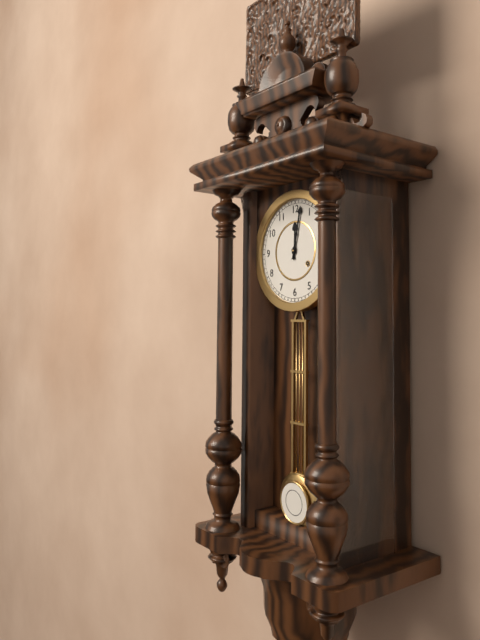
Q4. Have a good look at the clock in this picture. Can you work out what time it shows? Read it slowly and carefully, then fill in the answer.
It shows 12:02
